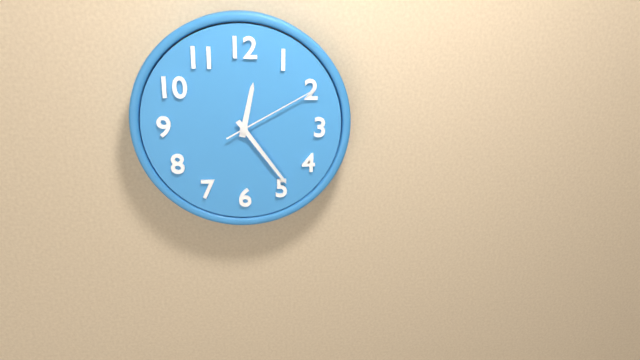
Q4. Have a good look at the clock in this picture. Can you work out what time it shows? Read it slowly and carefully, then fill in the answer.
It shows 12:24:10
